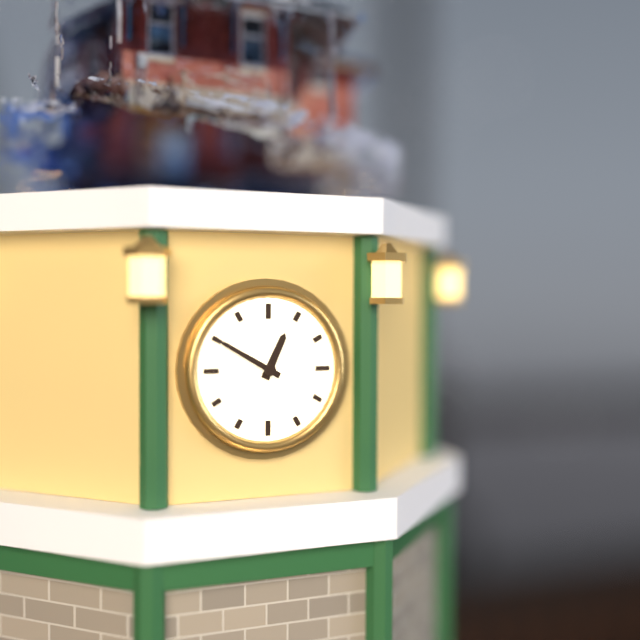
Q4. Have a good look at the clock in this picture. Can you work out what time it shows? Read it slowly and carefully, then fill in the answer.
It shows 12:50
